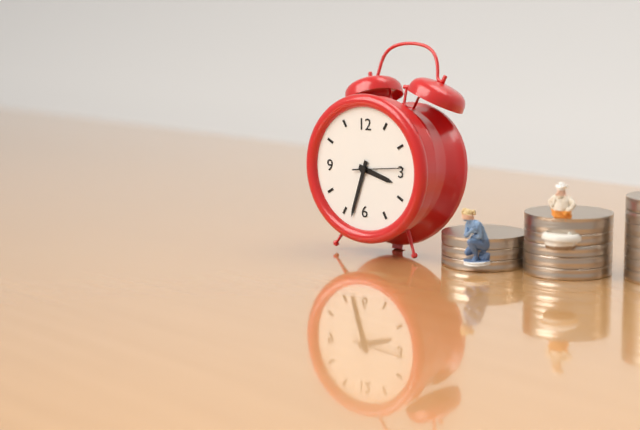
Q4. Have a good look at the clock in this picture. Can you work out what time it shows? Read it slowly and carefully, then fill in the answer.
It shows 3:33:14
